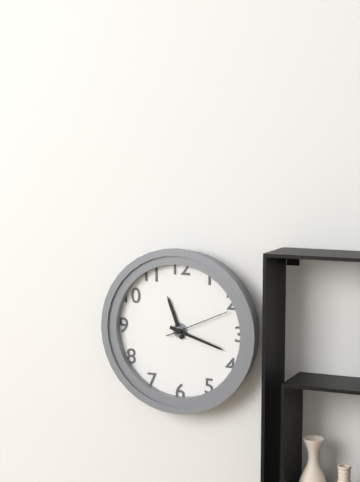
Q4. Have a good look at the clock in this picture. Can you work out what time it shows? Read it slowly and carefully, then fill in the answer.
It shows 11:18:11
